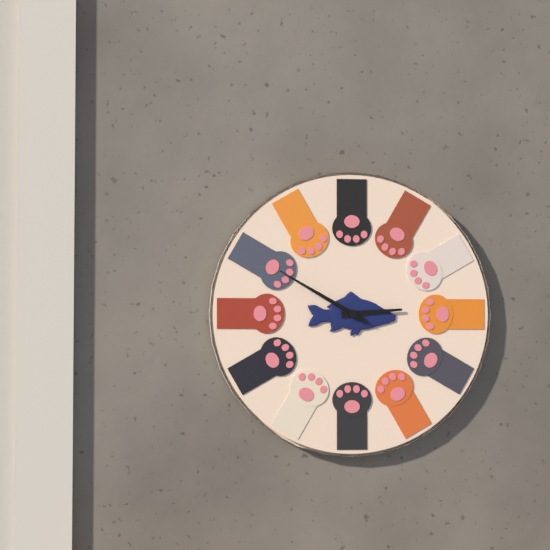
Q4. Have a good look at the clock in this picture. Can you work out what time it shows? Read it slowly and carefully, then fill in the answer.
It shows 2:50:50
